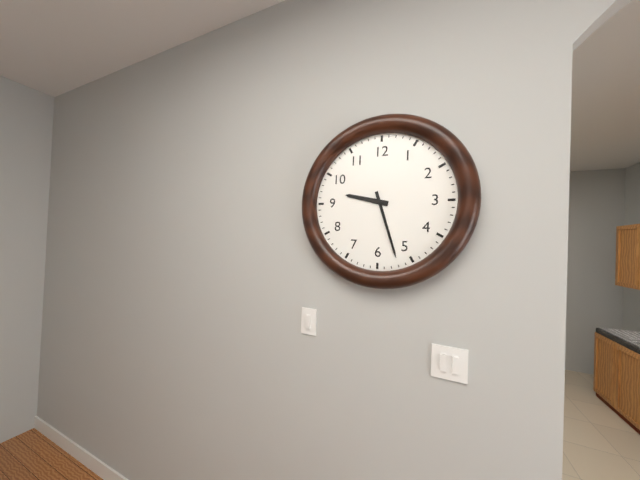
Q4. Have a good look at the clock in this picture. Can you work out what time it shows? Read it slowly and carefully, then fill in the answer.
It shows 9:27
